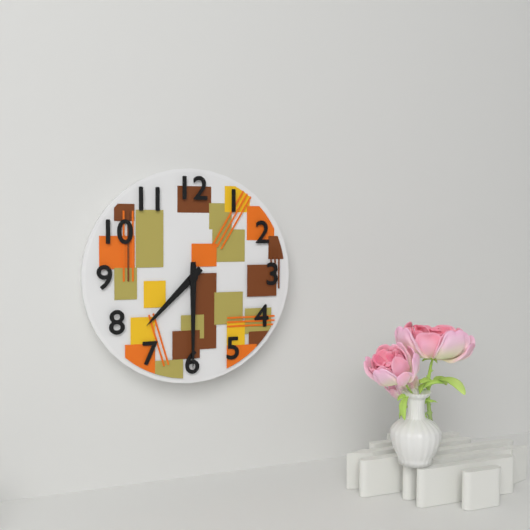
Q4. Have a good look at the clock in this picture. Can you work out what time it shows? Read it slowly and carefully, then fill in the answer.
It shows 7:30
